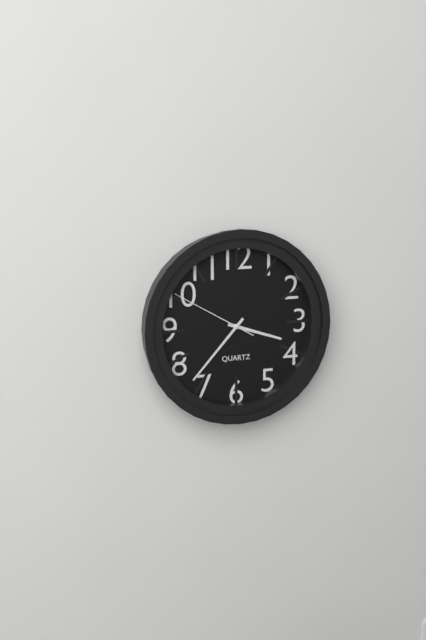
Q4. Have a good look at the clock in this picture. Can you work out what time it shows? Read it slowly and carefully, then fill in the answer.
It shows 3:37:50
